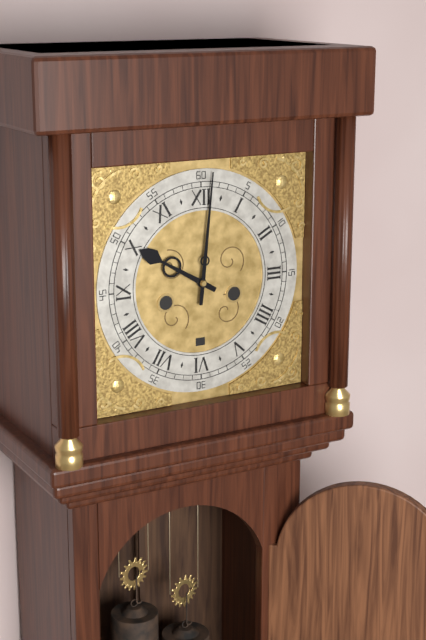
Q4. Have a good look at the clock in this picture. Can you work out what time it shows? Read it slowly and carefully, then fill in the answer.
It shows 10:01
